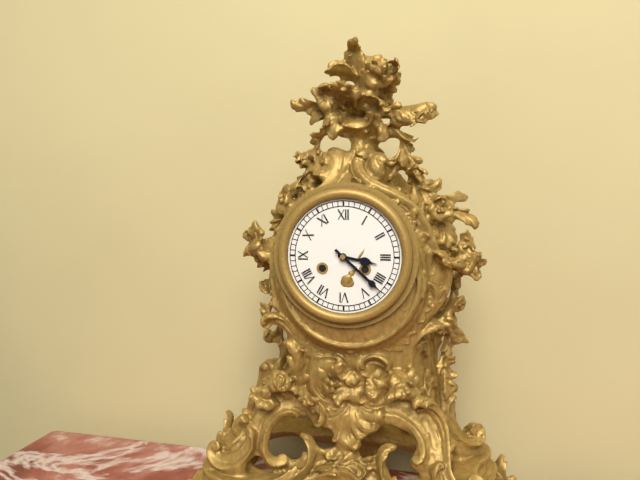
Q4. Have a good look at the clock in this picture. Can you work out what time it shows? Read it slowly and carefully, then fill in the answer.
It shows 3:22
